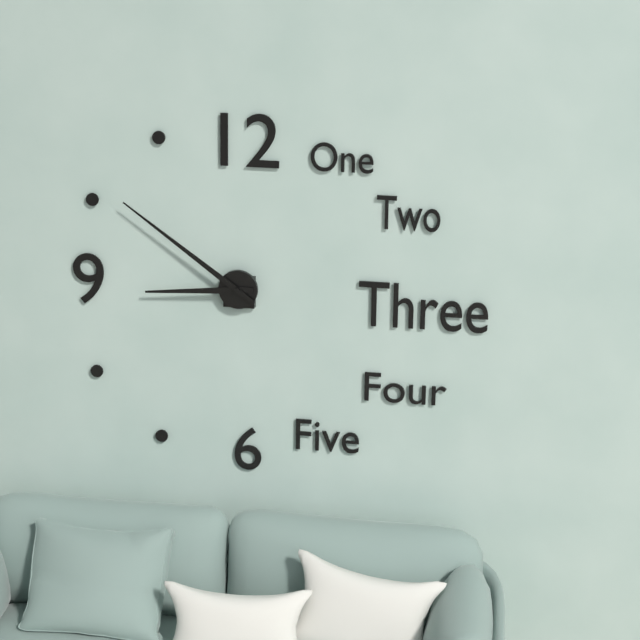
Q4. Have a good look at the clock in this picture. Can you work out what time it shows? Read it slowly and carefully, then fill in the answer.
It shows 8:51
